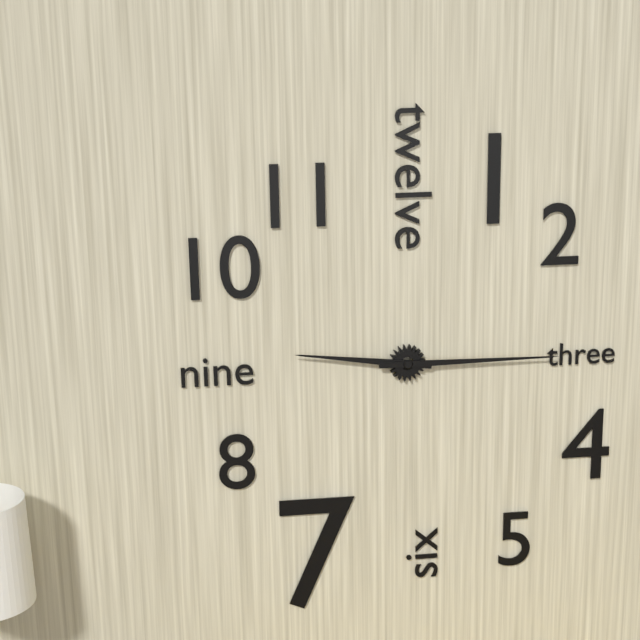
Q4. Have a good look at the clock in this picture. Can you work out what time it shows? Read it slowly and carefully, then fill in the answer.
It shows 9:15
